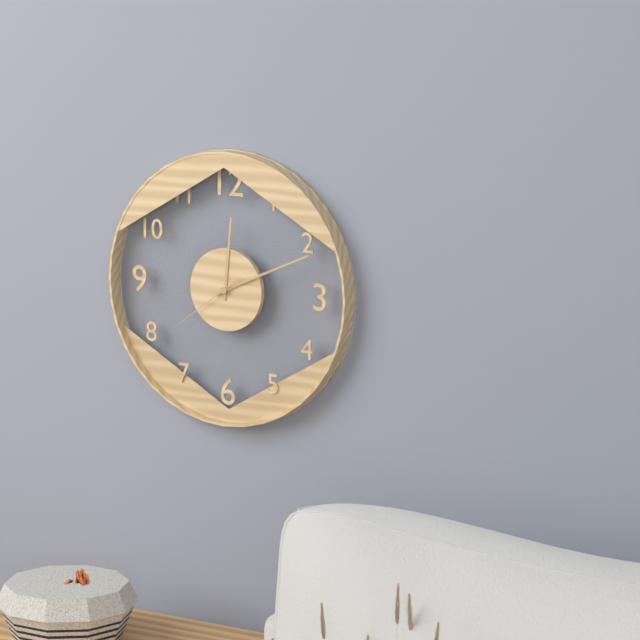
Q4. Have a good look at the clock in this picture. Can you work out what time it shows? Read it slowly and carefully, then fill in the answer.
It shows 12:11:39
